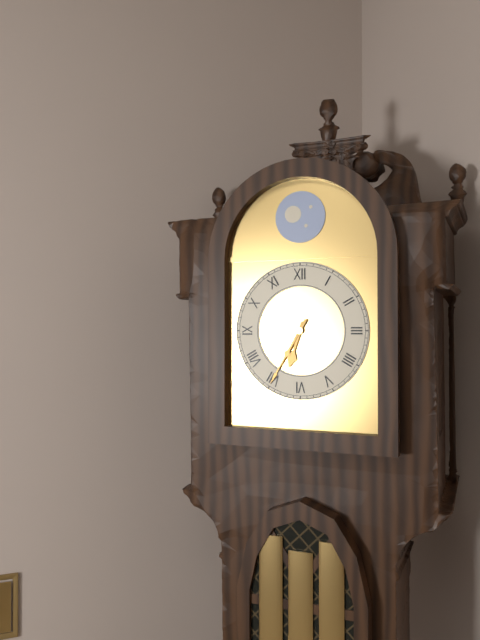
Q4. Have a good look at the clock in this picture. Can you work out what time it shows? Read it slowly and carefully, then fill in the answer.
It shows 6:35
